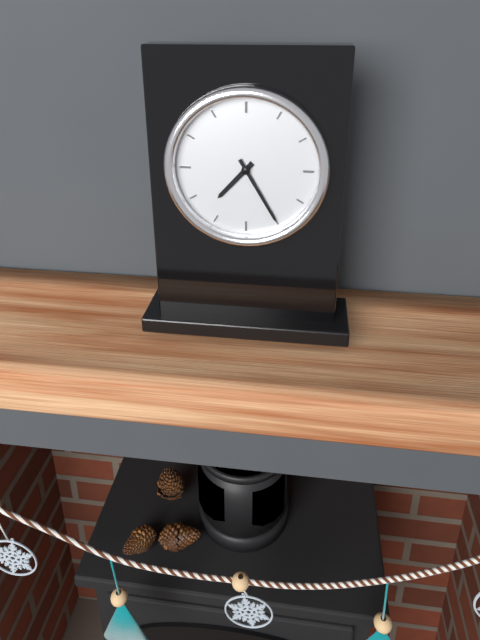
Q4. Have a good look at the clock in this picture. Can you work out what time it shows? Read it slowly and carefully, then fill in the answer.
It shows 7:25
